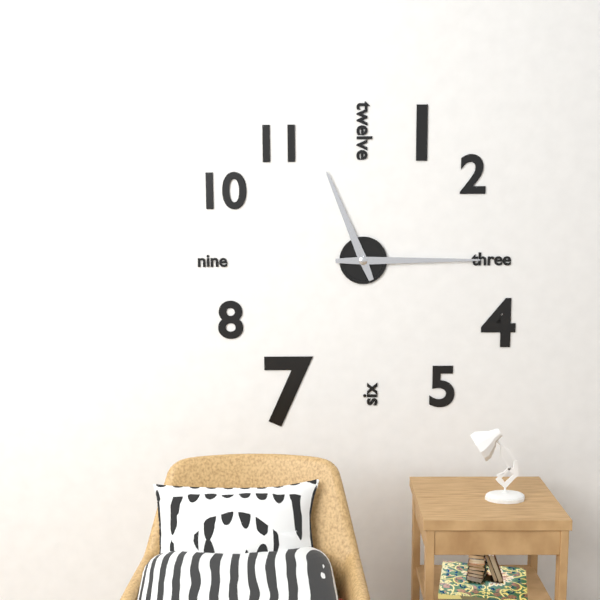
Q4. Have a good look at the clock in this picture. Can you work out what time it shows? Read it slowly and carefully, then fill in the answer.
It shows 11:15
